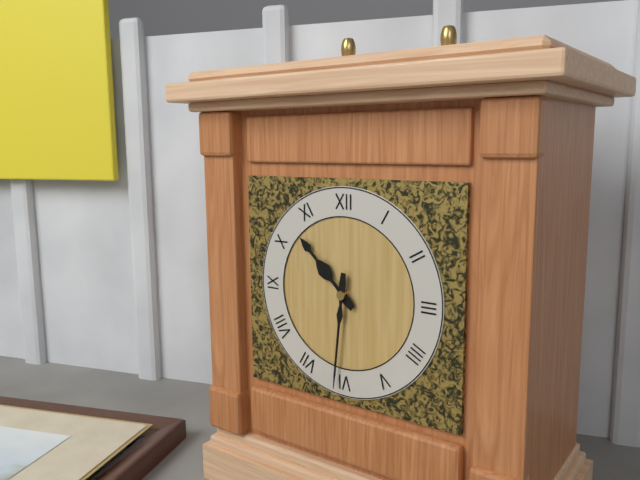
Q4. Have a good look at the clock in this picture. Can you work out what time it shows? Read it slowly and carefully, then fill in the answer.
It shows 10:31
